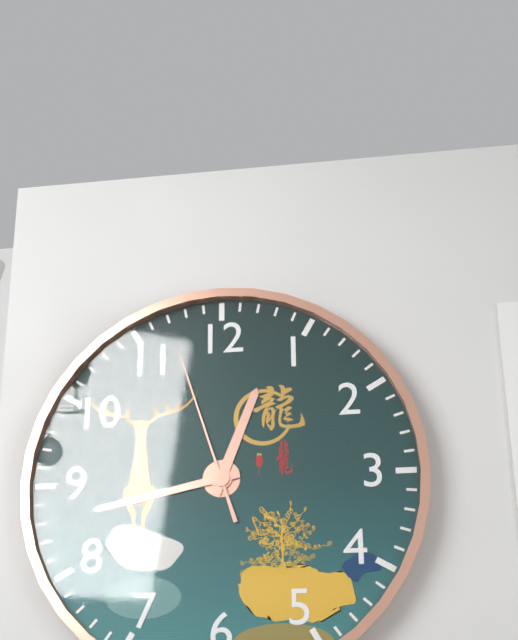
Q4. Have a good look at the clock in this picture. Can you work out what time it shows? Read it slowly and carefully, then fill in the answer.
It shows 12:43:57
